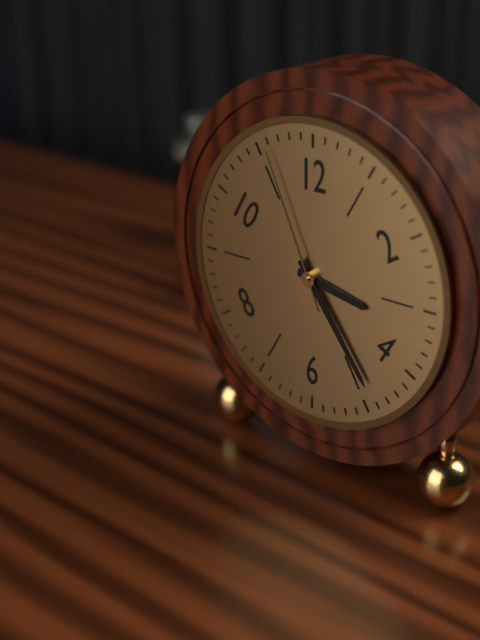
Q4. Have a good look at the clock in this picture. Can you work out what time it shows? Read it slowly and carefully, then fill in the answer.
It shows 3:24:56
